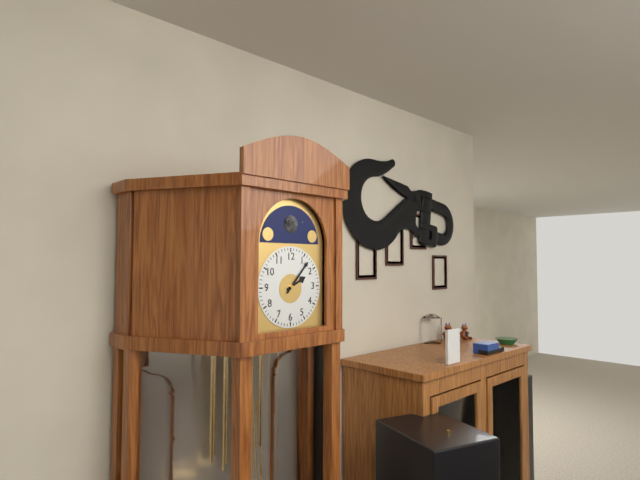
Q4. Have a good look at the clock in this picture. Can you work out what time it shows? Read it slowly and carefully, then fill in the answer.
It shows 2:07
